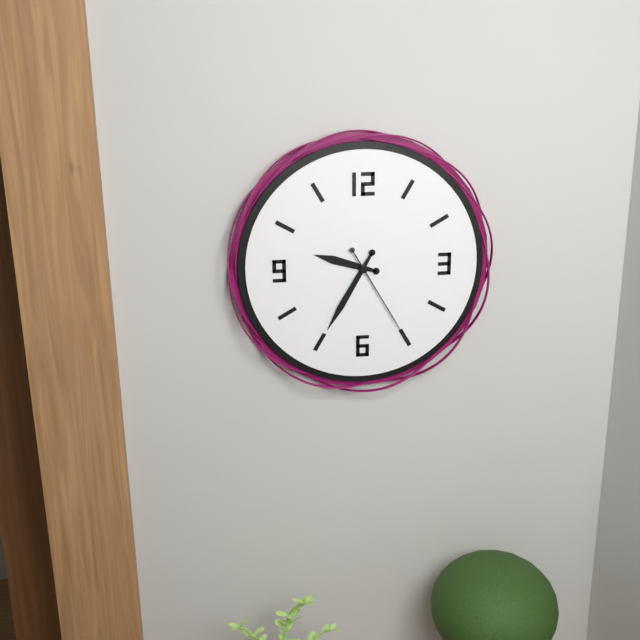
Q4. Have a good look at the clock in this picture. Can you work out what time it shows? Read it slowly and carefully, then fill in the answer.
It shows 9:35:25
